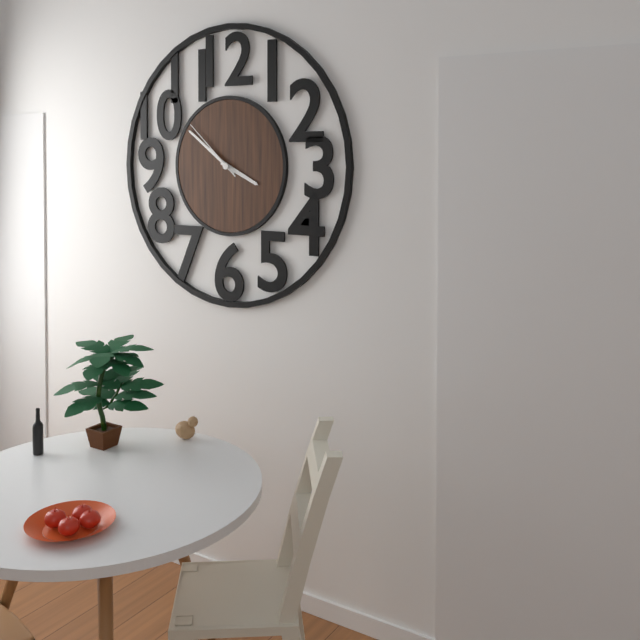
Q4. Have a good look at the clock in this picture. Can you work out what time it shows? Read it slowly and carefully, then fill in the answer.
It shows 3:51:52
